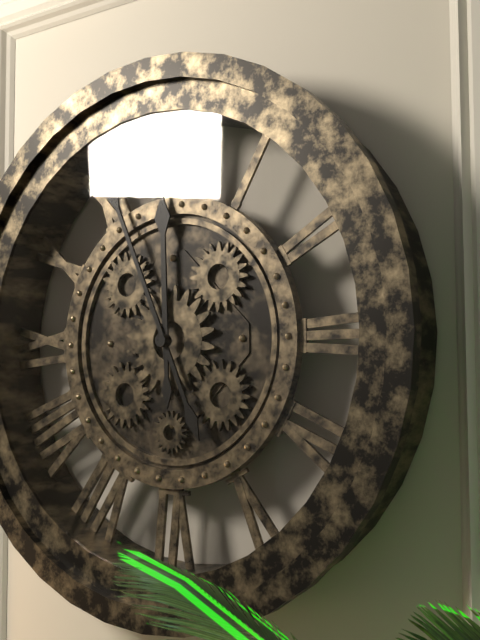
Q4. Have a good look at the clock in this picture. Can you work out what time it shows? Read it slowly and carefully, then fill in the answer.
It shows 11:56
